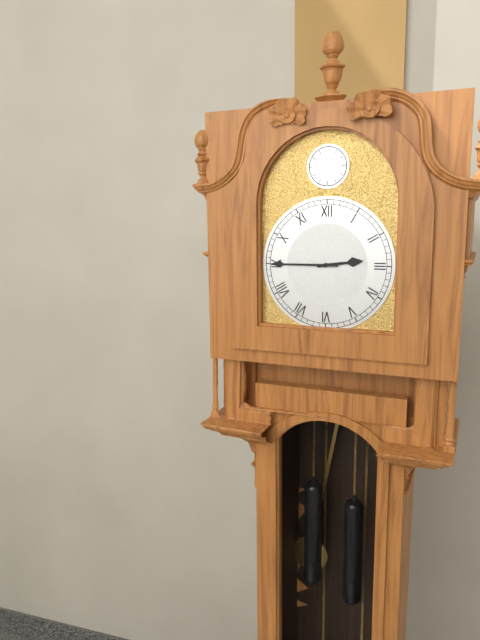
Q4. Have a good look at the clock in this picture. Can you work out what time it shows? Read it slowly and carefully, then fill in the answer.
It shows 2:45
